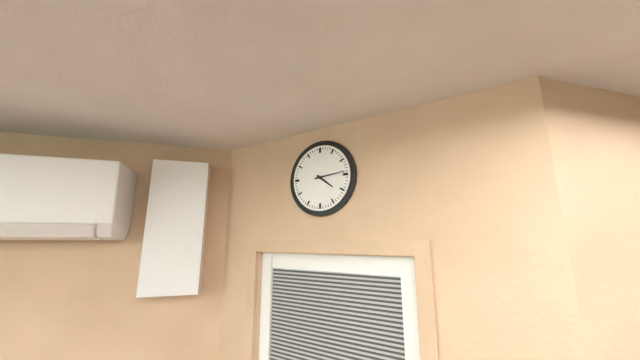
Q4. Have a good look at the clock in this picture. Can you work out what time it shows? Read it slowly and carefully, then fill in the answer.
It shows 4:14
